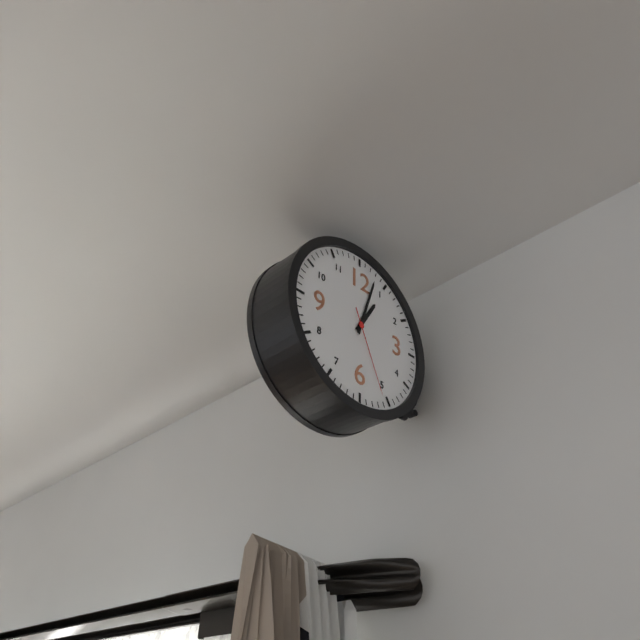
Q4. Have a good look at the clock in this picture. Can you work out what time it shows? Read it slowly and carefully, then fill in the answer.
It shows 1:03:26
